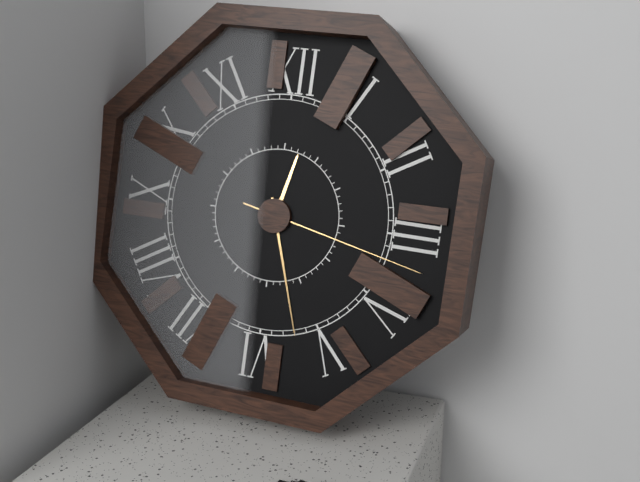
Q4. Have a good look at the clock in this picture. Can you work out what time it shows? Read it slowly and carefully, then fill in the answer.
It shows 12:27:17
